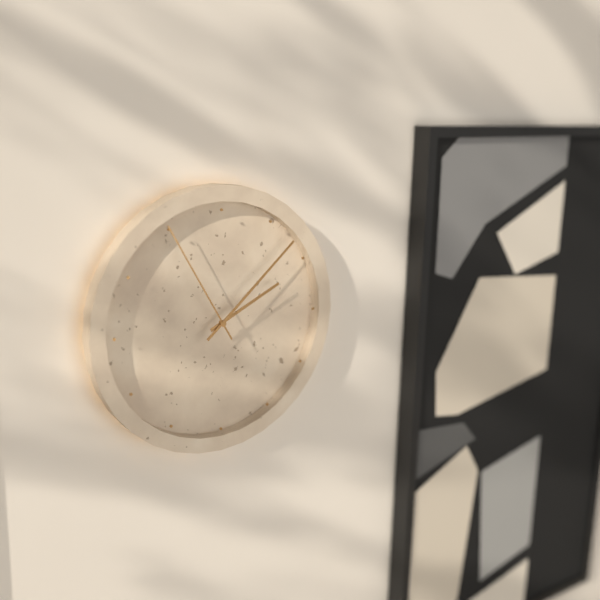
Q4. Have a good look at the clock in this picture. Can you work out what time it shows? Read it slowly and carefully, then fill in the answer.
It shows 2:08:55
